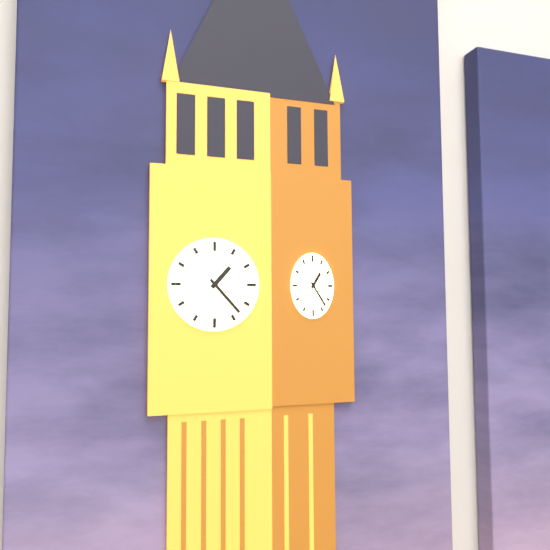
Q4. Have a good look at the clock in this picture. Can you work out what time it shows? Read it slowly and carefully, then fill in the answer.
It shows 1:23
